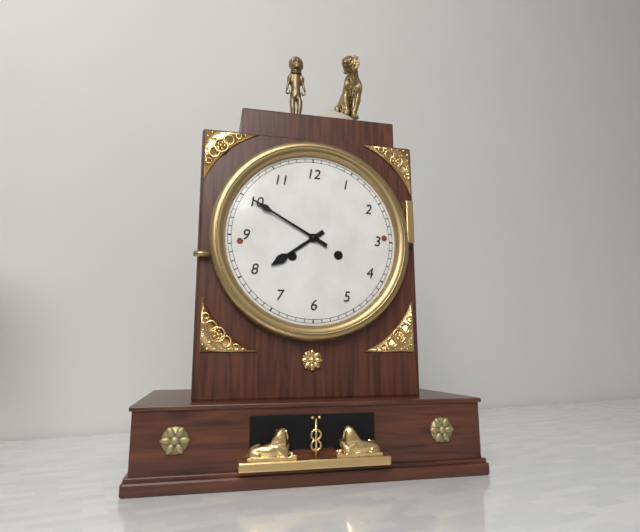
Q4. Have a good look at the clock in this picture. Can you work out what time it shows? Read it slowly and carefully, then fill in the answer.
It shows 7:50
